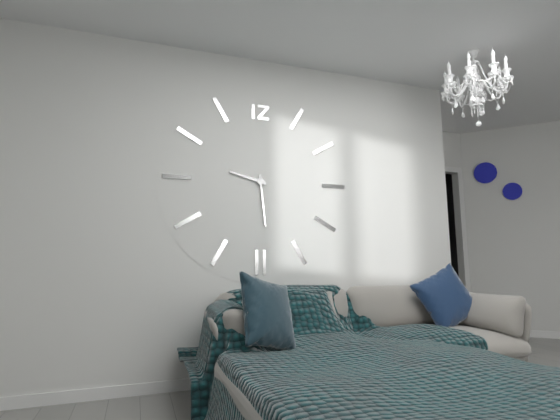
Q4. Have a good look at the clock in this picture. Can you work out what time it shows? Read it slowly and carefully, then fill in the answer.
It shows 9:29
